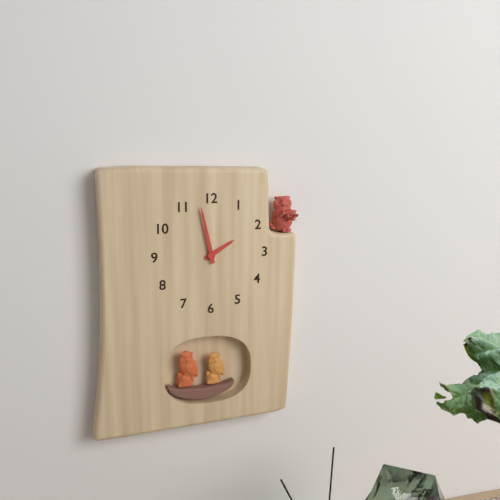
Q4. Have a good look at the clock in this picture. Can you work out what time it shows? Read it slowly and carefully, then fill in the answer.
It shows 1:58
